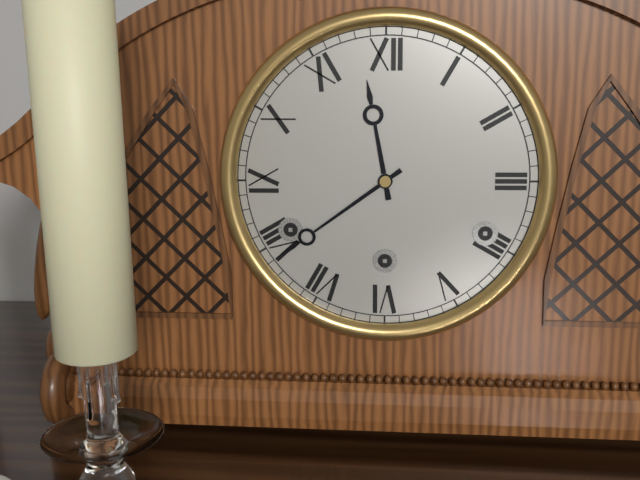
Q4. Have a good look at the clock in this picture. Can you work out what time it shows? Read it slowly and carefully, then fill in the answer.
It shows 11:39
